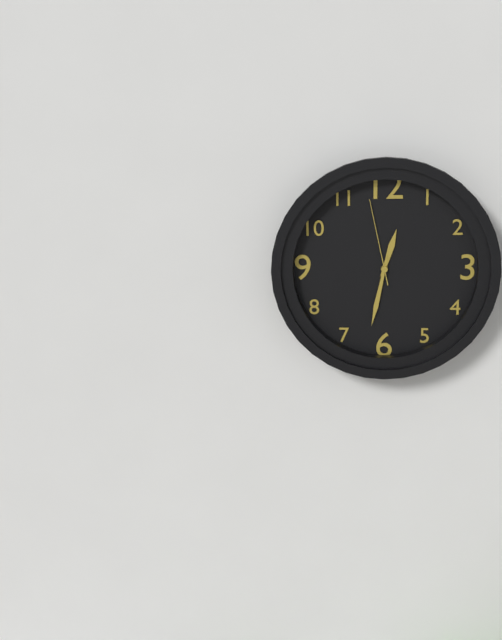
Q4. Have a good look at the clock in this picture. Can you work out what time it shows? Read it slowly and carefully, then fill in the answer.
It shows 12:32:58
